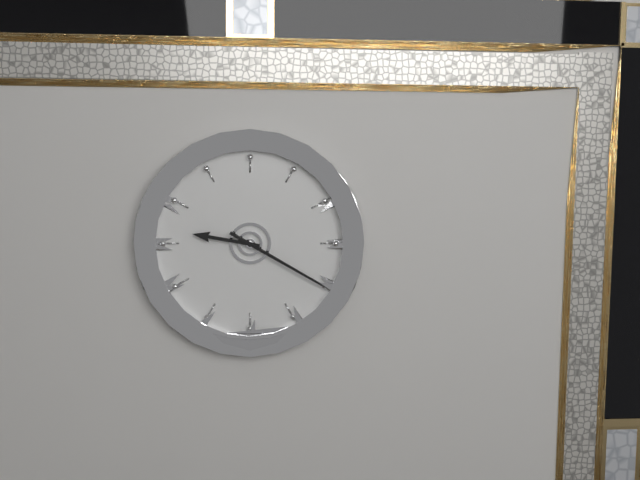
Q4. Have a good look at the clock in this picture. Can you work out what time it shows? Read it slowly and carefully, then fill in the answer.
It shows 9:20
